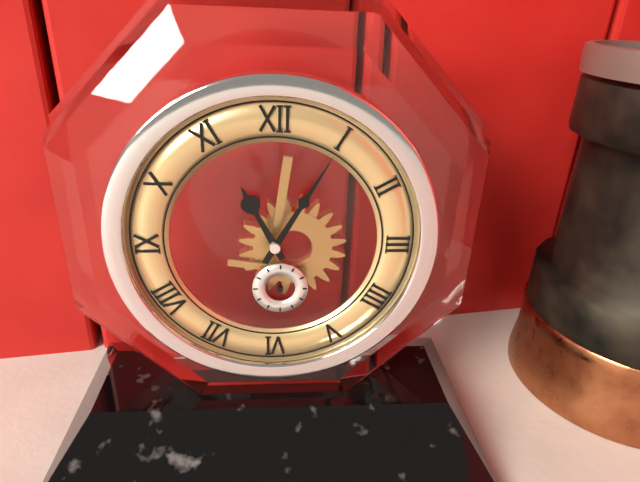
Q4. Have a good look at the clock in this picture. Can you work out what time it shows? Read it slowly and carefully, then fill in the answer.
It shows 11:05
